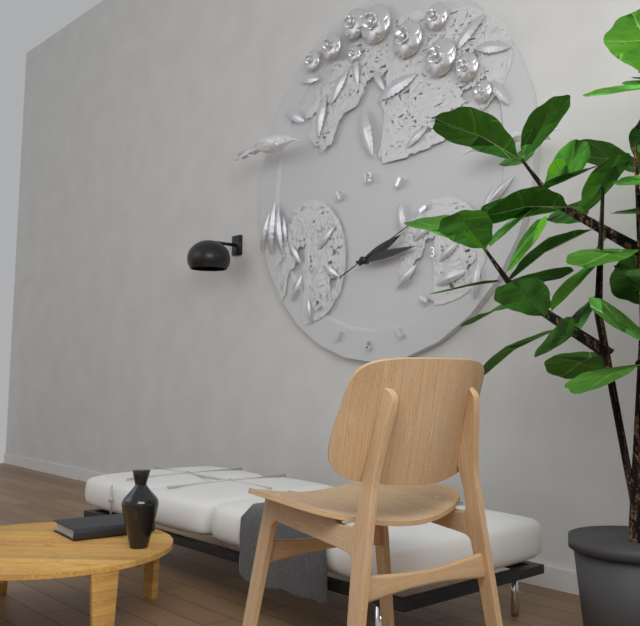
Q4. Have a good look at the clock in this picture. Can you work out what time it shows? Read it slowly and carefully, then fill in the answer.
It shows 2:14:11
